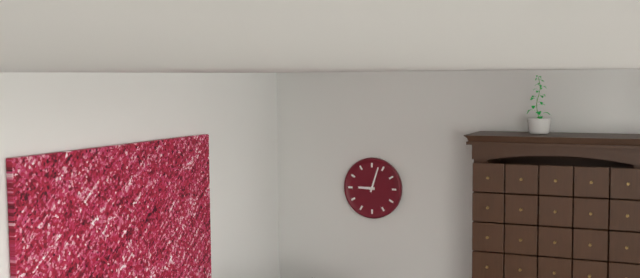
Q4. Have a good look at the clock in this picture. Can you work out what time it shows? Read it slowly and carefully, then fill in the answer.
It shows 9:03
